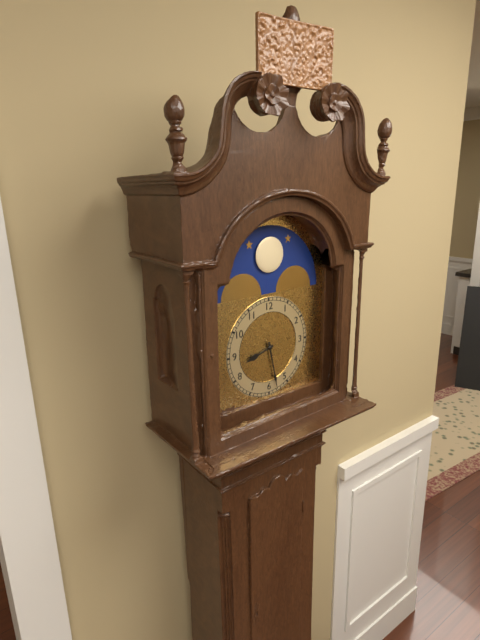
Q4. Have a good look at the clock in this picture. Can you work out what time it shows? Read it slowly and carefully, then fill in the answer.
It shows 8:28
